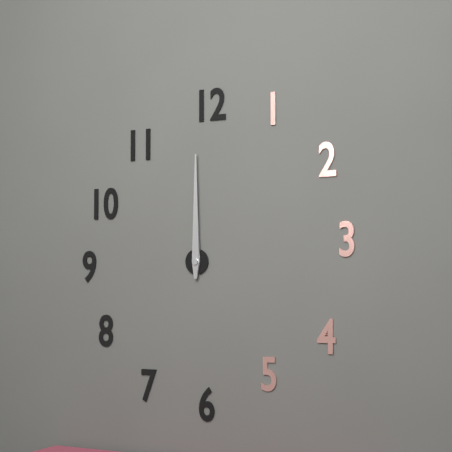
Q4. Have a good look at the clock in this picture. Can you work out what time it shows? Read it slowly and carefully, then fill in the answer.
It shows 12:00
